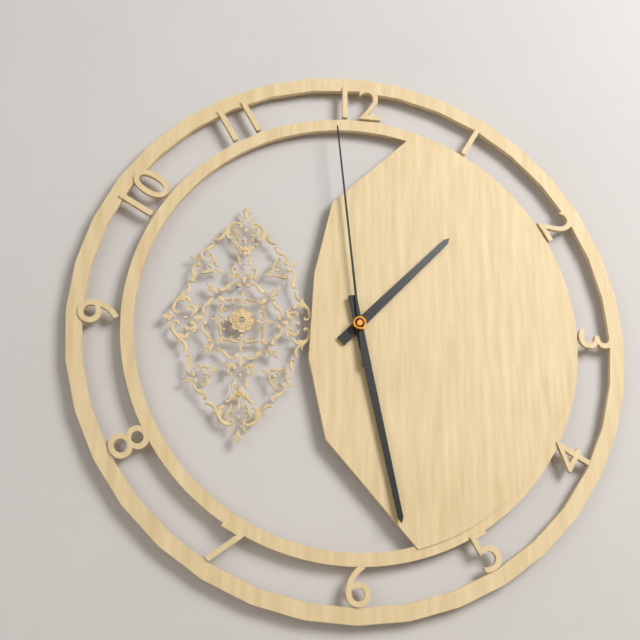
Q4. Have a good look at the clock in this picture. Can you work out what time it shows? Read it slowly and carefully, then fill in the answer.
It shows 1:28:59
